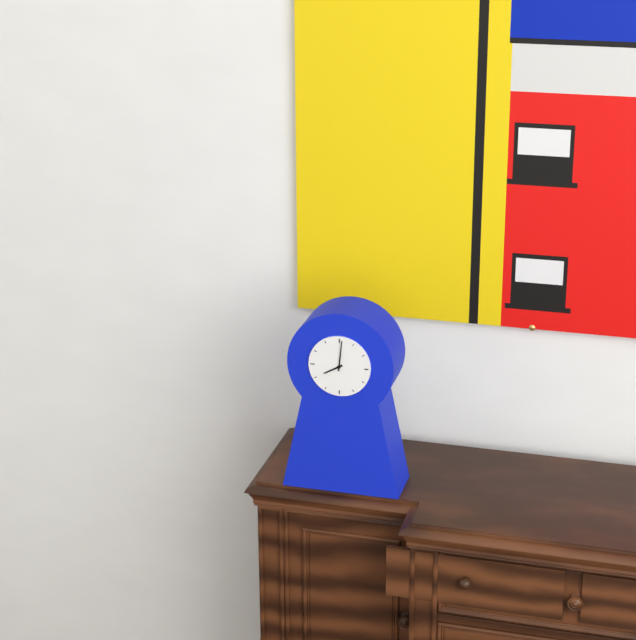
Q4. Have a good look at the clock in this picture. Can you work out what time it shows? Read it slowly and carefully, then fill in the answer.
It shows 8:01
